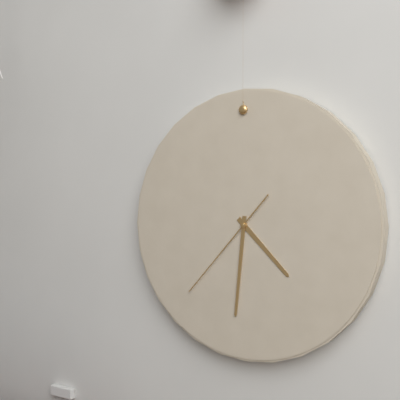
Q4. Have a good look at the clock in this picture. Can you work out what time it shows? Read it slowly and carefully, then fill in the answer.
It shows 4:31:37
